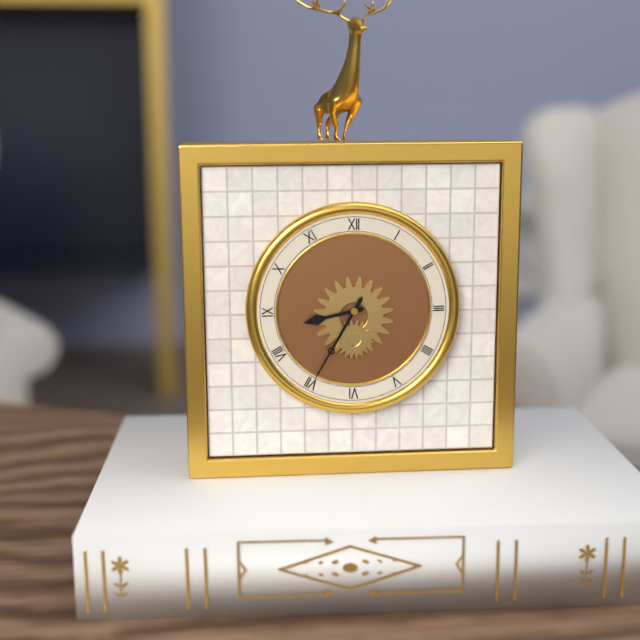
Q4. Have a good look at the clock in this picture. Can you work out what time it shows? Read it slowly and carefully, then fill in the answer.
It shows 8:35
